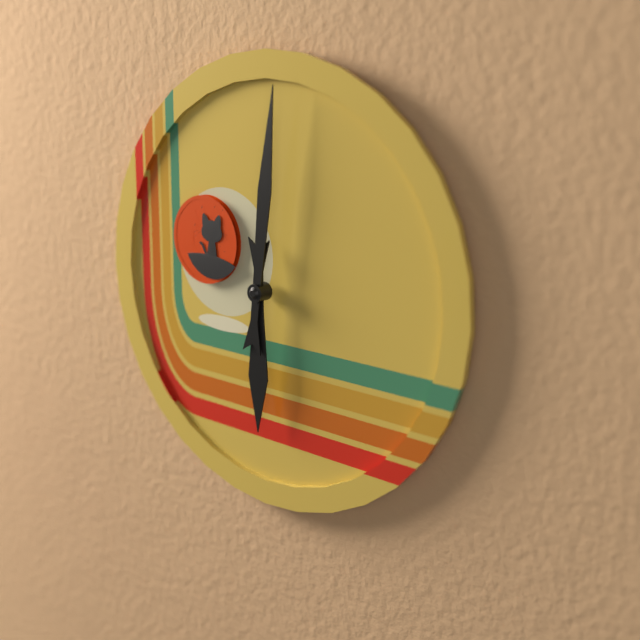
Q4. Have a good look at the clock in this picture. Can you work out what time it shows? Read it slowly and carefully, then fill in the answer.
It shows 6:01
